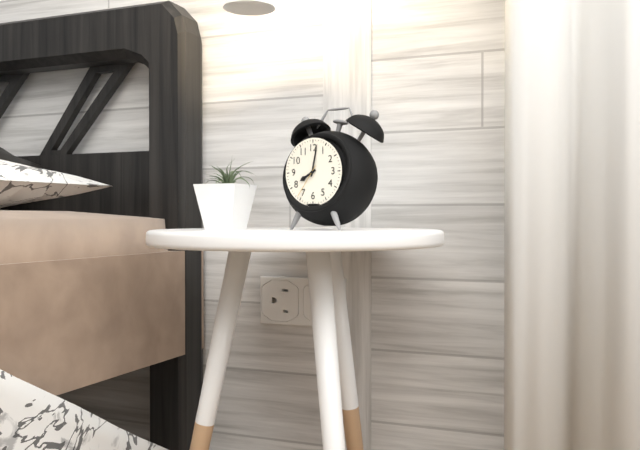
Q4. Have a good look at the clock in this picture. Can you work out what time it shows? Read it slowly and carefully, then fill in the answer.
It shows 8:02
